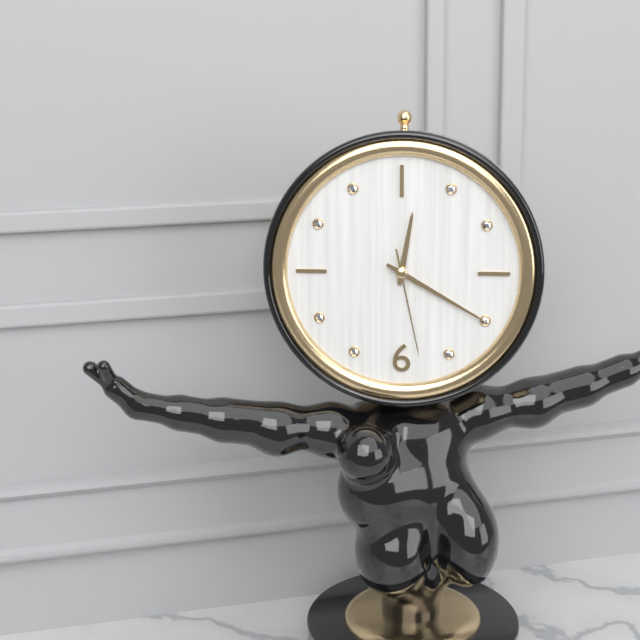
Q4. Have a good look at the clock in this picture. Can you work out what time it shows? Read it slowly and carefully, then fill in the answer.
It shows 12:20:28
